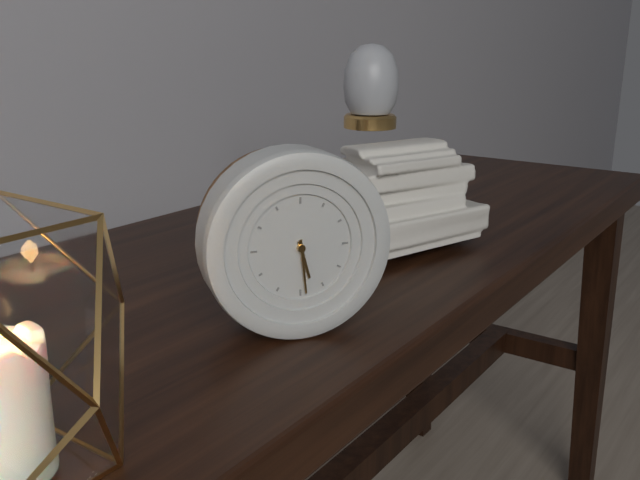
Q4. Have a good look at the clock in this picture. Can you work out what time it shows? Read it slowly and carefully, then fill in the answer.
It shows 5:29
